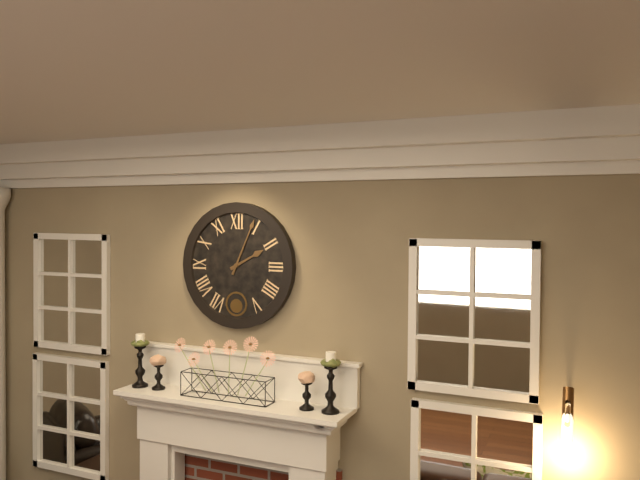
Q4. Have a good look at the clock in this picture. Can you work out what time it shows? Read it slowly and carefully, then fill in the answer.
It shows 2:04
